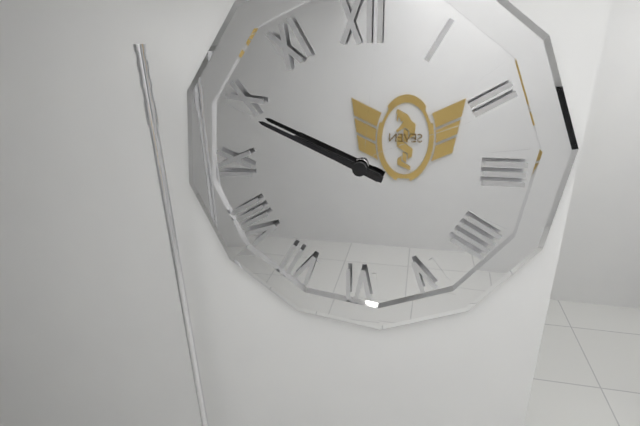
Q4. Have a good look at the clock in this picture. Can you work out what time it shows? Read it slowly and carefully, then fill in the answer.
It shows 9:49
